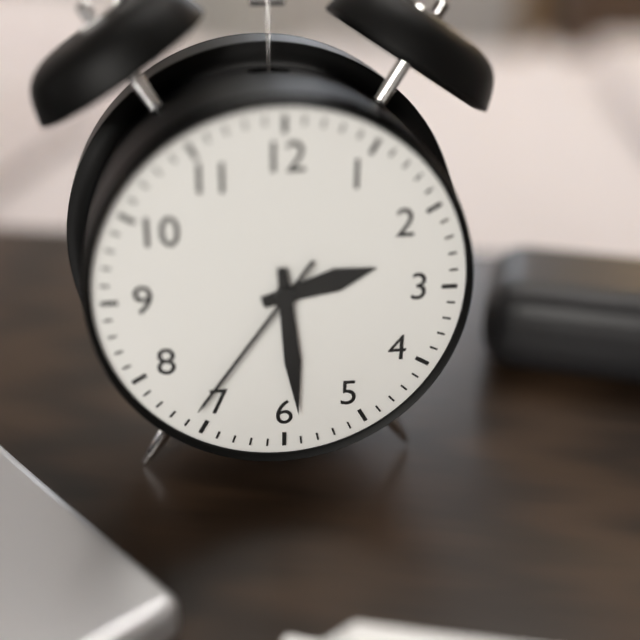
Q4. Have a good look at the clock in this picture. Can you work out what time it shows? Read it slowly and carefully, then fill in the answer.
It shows 2:29:36
